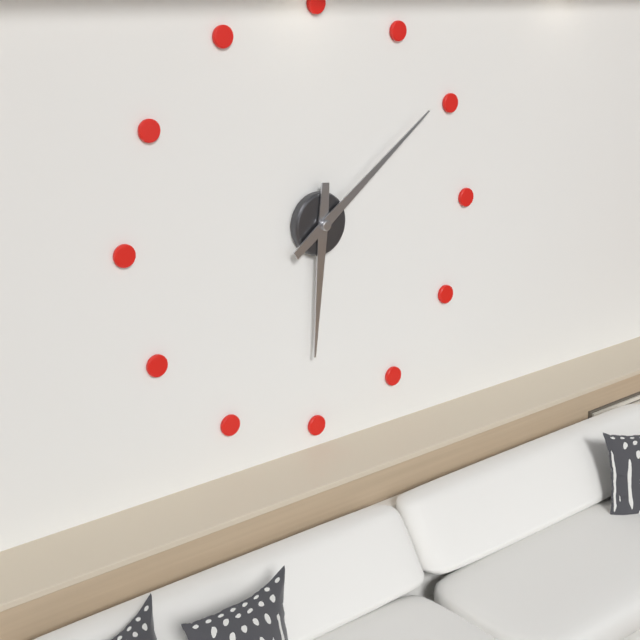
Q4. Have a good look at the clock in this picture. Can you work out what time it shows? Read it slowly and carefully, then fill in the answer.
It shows 6:09
